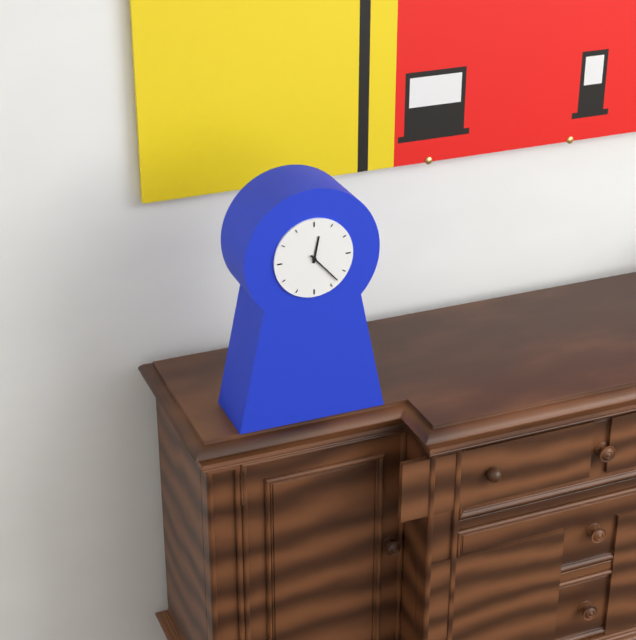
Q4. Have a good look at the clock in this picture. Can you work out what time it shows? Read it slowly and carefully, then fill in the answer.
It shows 12:23
